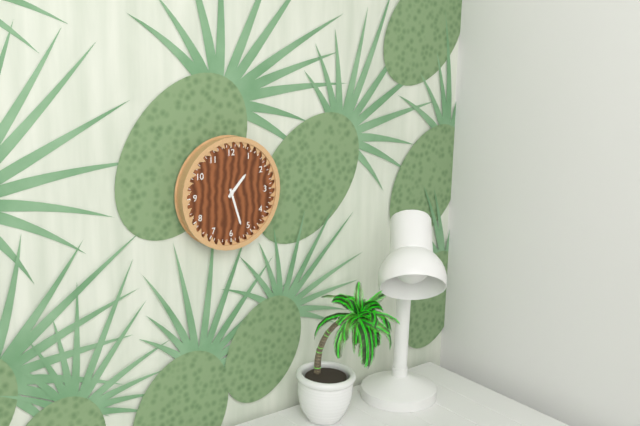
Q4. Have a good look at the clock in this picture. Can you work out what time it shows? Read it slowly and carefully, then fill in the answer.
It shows 1:27
